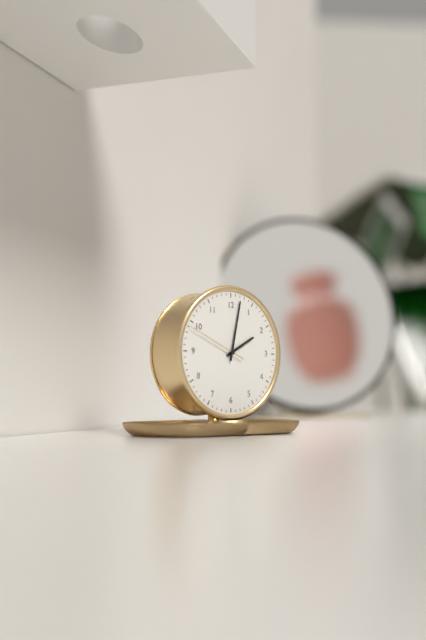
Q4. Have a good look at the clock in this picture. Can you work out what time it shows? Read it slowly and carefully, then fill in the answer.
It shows 2:02:49
